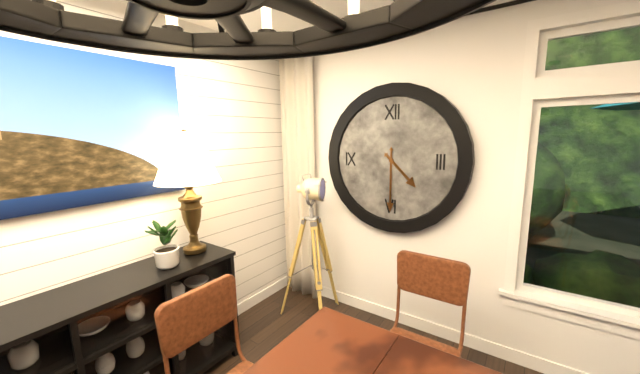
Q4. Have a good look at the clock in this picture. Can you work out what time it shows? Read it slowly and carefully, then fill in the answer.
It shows 4:30
